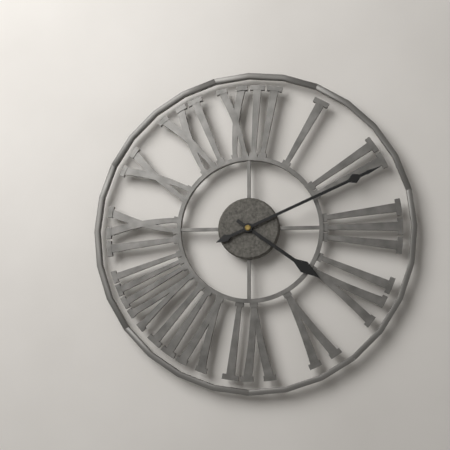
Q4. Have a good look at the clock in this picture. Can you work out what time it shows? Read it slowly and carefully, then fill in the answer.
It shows 4:11
